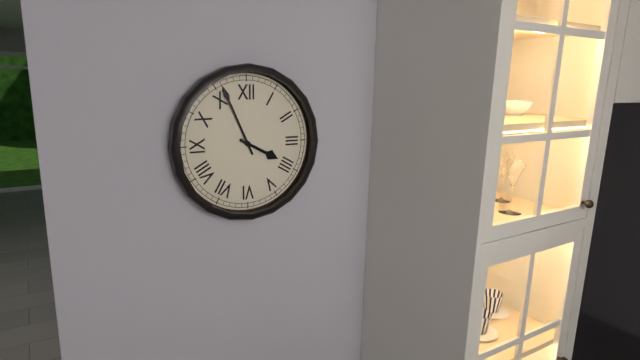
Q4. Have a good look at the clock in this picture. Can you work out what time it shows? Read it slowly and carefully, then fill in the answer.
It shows 3:56
